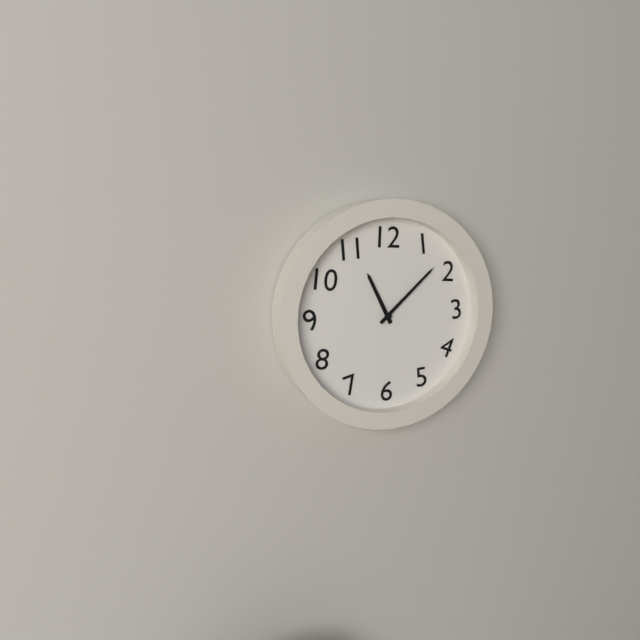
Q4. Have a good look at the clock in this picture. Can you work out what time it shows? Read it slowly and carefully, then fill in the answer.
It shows 11:08
